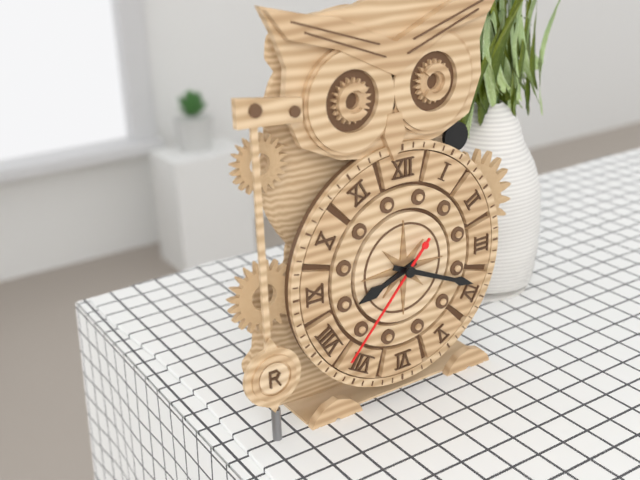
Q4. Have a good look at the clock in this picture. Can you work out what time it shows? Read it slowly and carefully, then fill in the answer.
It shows 8:19:37
